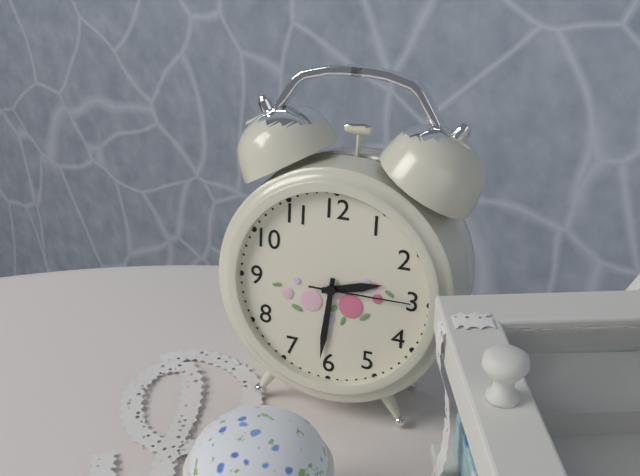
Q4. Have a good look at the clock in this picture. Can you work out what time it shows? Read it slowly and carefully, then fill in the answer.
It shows 2:31:15
